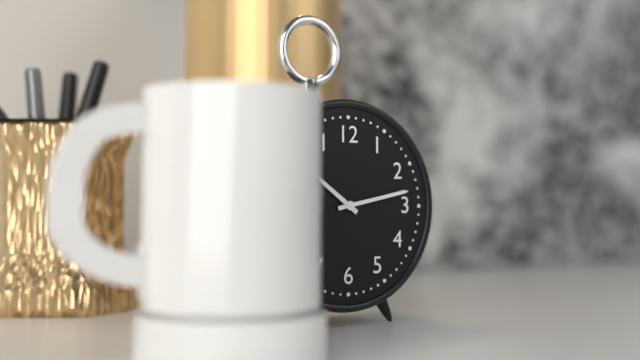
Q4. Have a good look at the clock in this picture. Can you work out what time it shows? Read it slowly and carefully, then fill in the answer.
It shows 10:13
